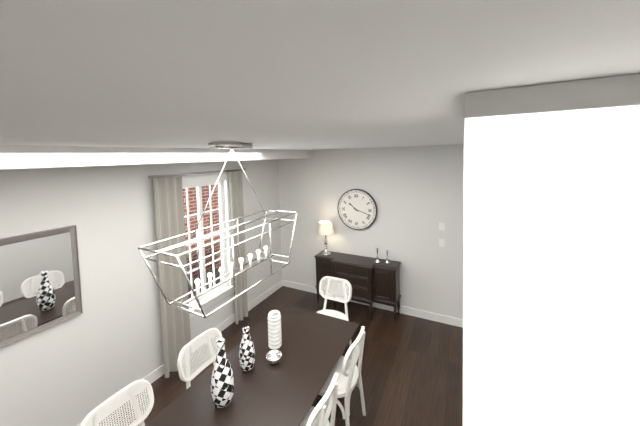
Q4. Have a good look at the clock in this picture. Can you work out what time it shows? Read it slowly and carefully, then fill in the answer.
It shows 10:18
